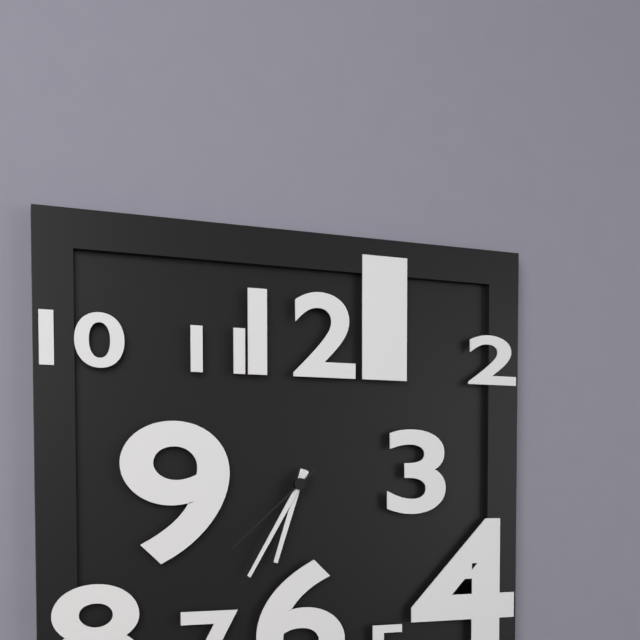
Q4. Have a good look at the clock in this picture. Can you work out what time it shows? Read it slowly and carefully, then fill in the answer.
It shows 6:35:38
